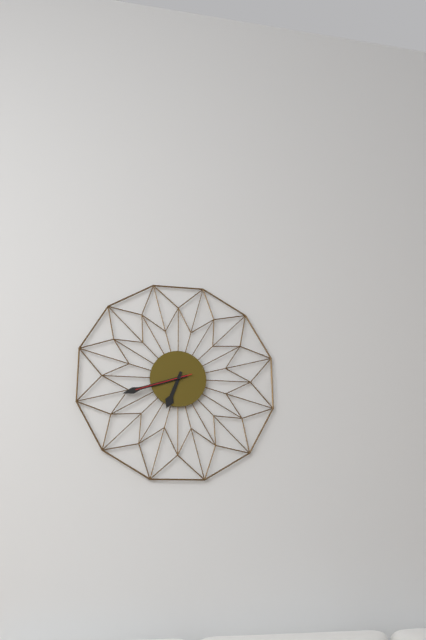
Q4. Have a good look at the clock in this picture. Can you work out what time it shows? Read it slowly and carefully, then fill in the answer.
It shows 6:42:42
